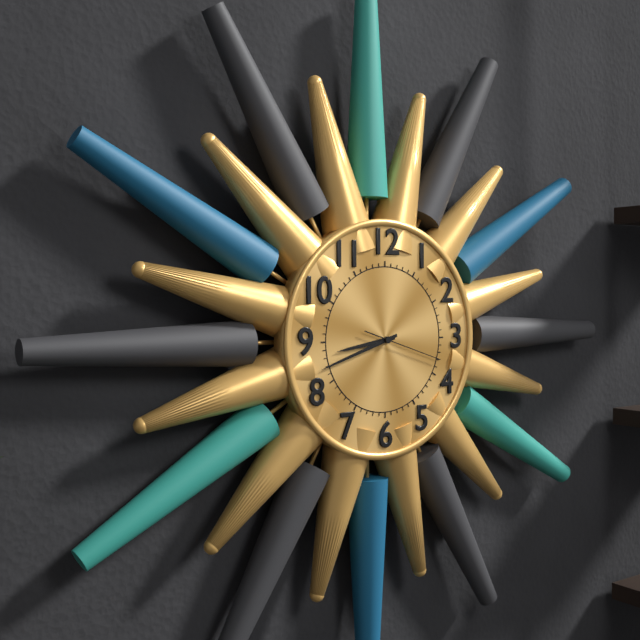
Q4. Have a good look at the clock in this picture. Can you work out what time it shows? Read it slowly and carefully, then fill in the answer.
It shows 8:42:18
